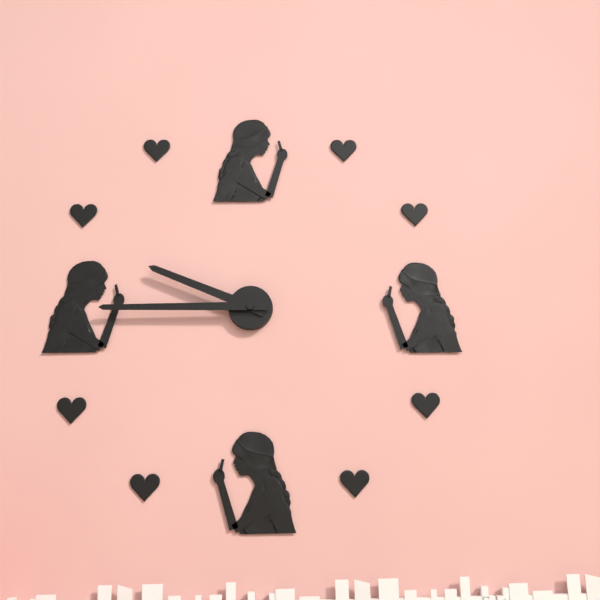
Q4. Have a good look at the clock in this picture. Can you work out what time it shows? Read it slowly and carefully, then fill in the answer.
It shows 9:45
